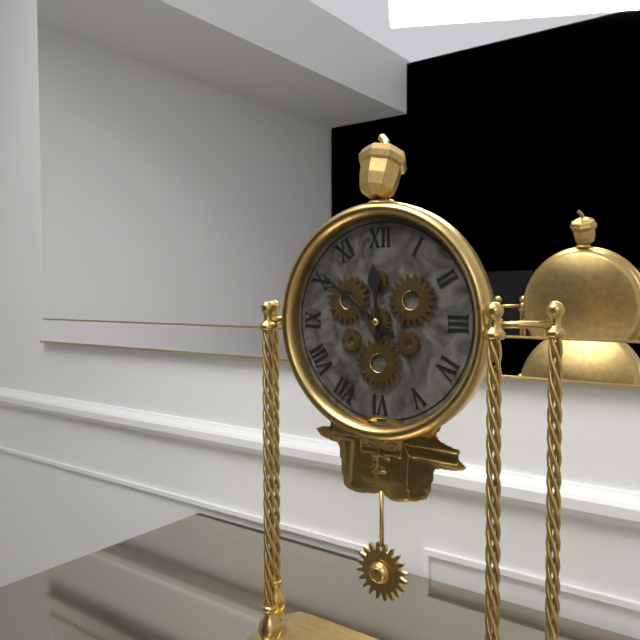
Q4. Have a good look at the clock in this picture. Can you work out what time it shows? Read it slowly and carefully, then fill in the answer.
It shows 11:51
